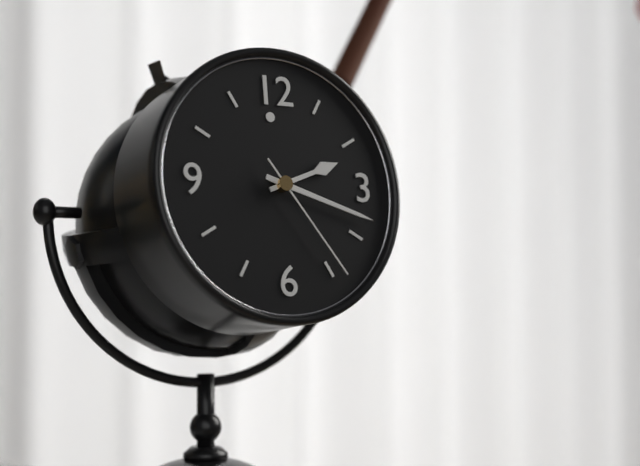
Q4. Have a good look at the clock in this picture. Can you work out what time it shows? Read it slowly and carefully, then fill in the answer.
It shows 2:18:24
